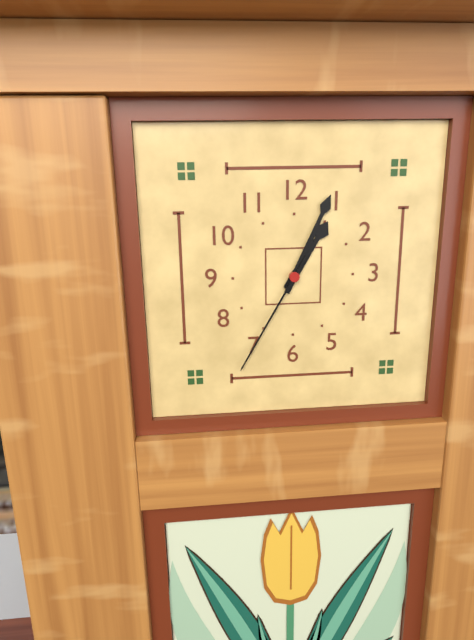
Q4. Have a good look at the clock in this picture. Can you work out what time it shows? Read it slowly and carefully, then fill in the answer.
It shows 1:04:35
